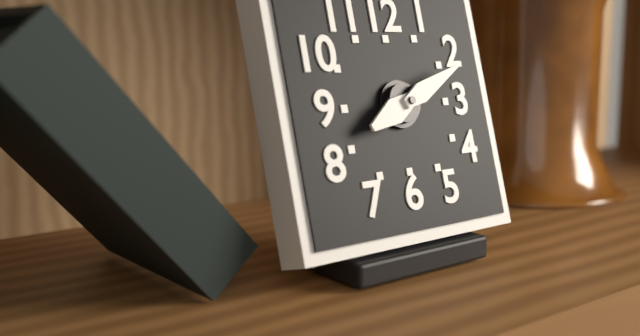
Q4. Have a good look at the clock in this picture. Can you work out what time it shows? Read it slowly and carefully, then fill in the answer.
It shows 8:11
